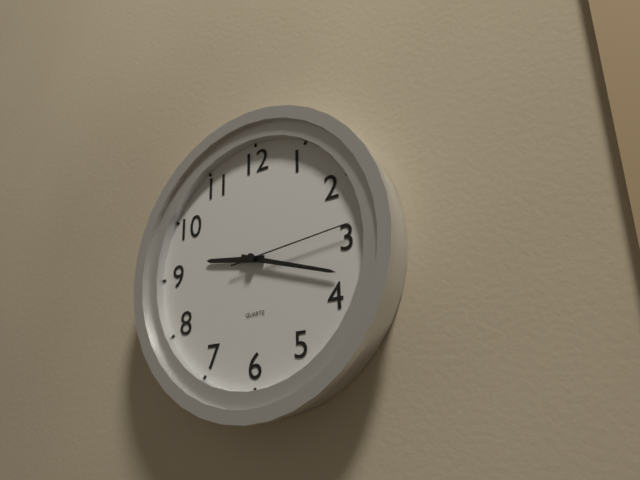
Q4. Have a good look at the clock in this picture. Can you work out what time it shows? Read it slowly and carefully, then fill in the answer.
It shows 9:18:14
